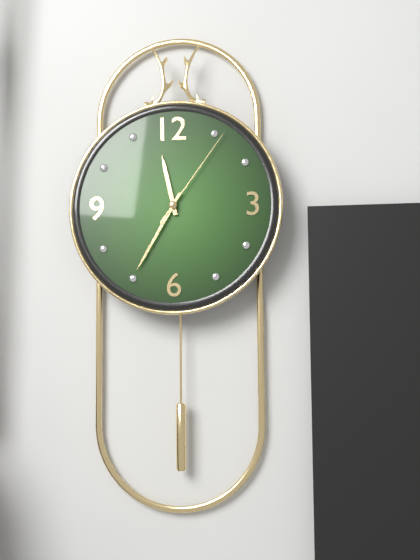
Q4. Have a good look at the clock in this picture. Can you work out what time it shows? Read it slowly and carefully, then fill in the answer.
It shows 11:35:06
